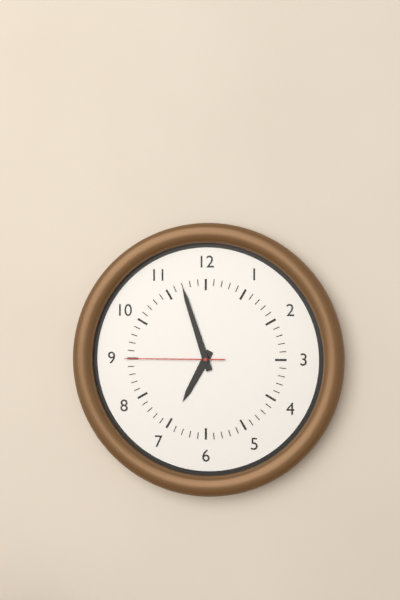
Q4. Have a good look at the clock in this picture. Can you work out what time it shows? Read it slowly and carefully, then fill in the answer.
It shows 6:57:45
